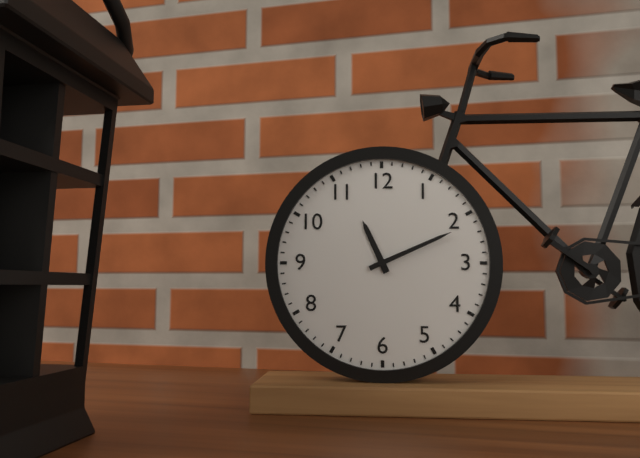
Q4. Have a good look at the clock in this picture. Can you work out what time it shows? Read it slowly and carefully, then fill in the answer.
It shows 11:11
